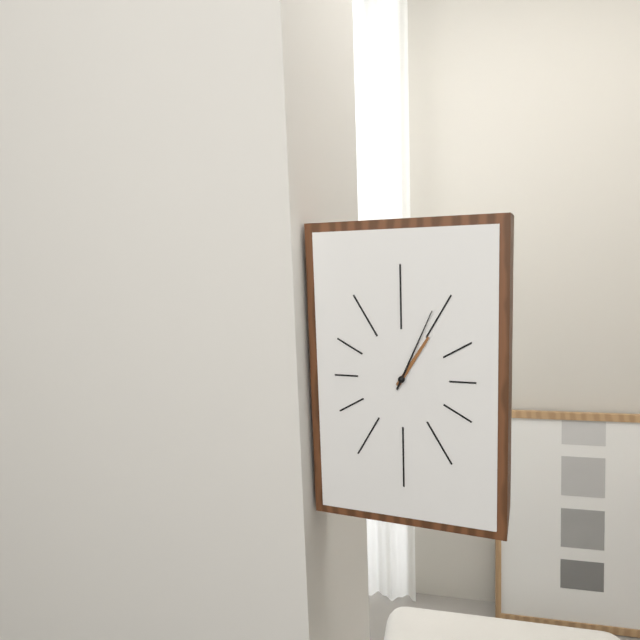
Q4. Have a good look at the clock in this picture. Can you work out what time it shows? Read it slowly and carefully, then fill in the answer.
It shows 1:04
